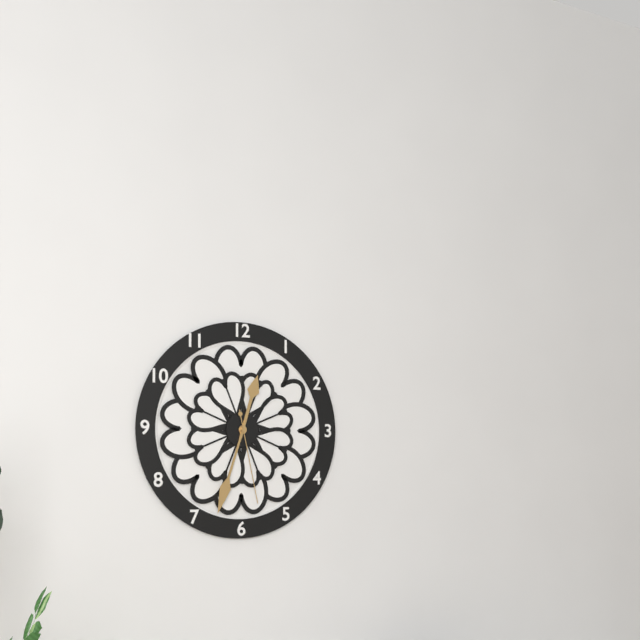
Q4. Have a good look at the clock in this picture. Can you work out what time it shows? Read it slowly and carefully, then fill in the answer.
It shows 12:33:28
